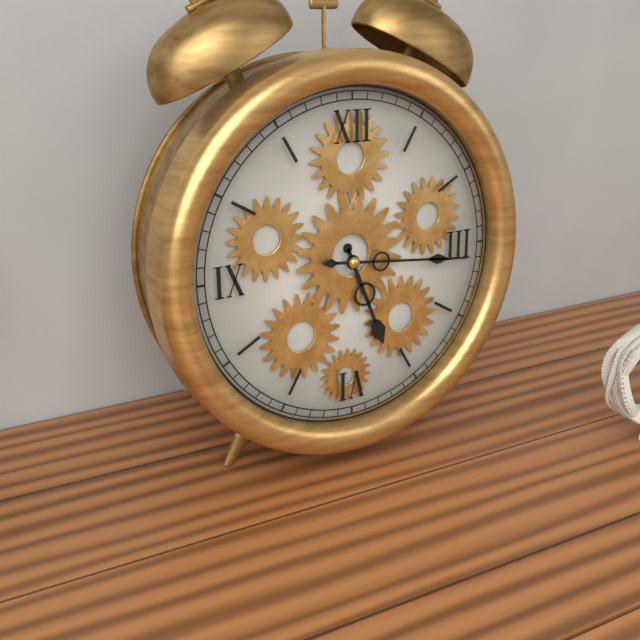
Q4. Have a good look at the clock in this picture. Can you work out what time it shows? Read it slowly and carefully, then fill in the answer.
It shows 5:16
